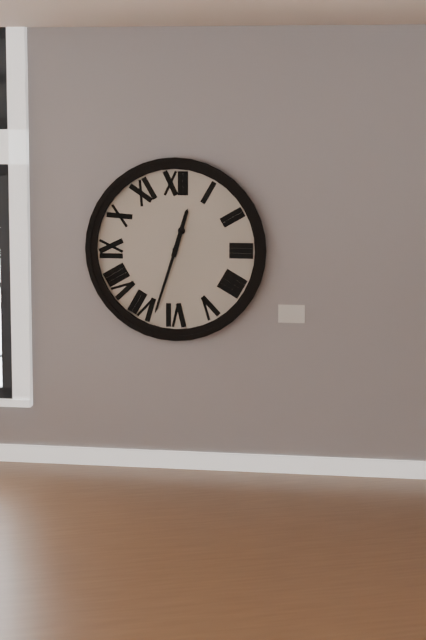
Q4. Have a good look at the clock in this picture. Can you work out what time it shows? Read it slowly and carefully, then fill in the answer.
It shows 12:33
